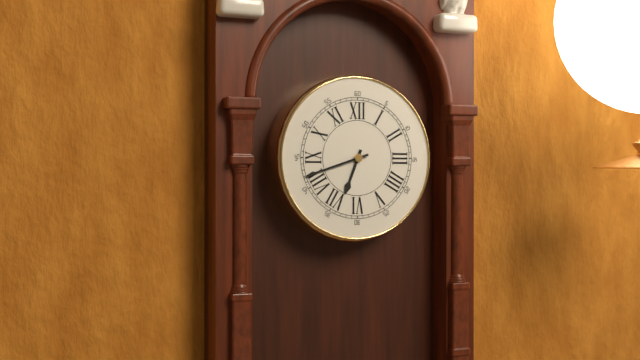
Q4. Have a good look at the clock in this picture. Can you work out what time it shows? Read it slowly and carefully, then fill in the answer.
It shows 6:42
